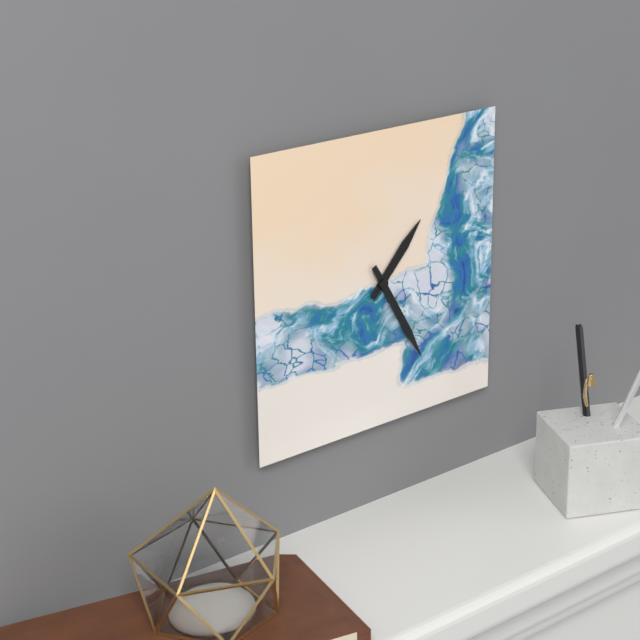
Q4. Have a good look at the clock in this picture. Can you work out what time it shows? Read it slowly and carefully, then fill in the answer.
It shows 1:25
